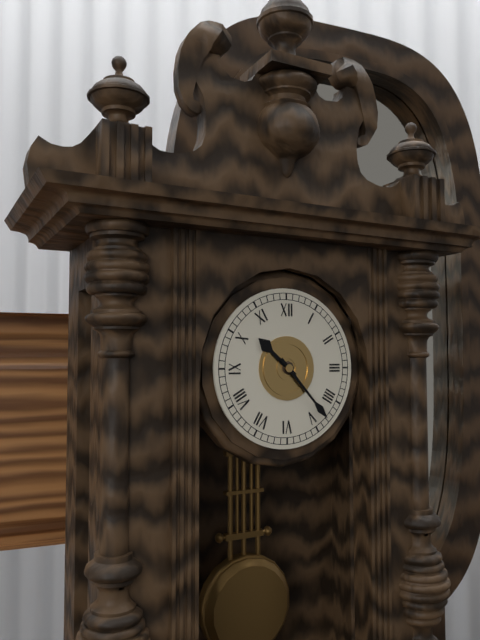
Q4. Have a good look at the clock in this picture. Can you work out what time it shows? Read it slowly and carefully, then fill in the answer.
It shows 10:23
